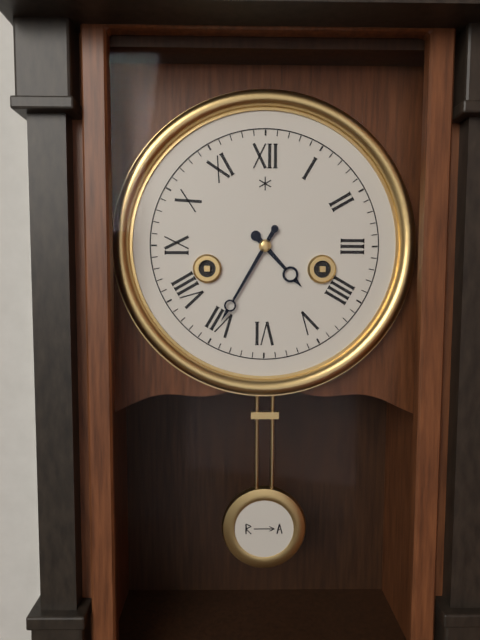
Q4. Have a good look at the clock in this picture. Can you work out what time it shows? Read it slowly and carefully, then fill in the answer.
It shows 4:35
